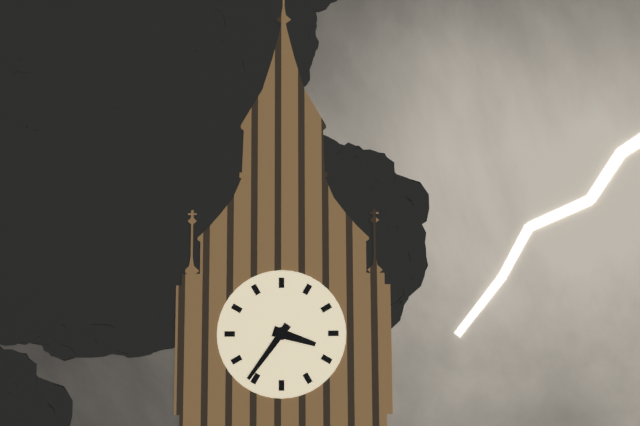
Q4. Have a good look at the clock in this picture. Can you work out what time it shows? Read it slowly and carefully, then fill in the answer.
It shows 3:36
